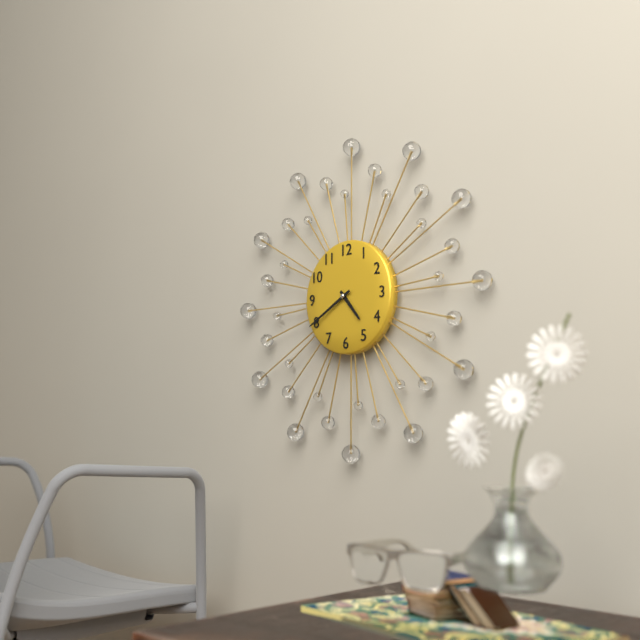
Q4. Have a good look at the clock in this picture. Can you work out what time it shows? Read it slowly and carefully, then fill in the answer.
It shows 4:40
